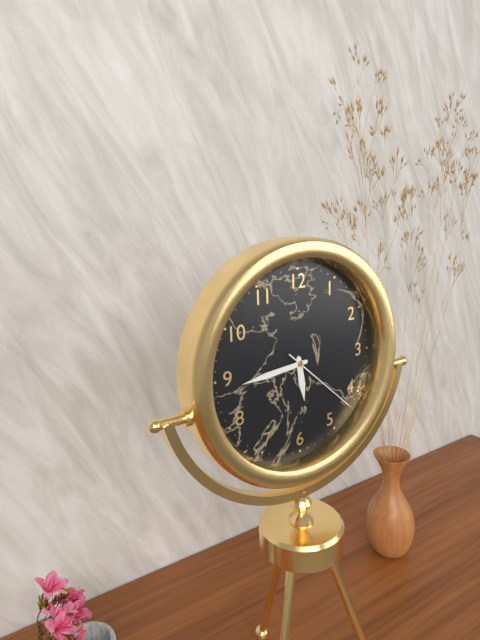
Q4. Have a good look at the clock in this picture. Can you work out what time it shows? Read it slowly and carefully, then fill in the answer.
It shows 5:44:22
